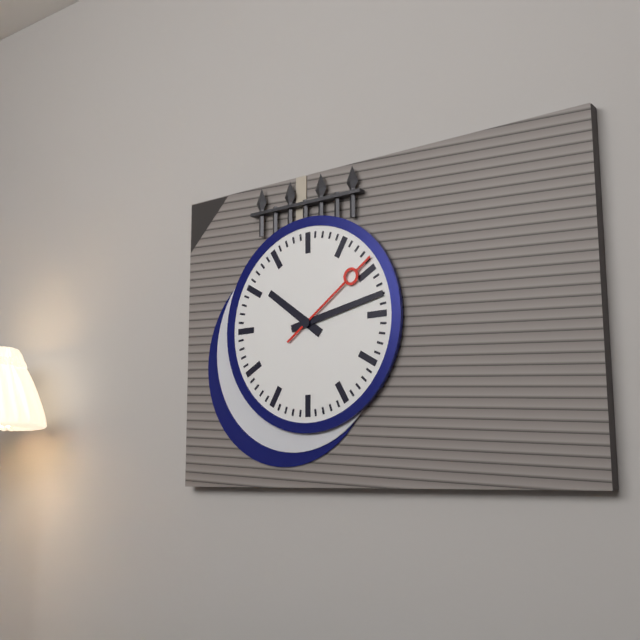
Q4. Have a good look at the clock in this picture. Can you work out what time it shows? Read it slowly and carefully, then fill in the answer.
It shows 10:13:09
